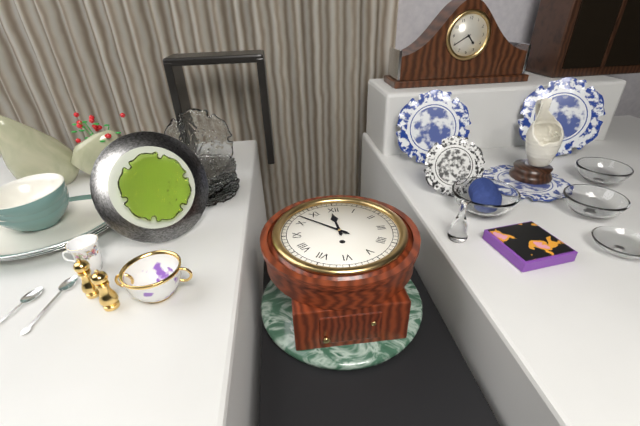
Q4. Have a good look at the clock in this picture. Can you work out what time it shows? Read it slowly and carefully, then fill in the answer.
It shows 11:52
